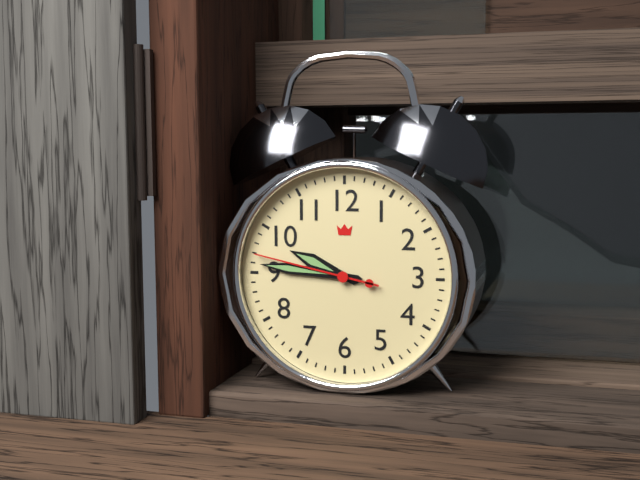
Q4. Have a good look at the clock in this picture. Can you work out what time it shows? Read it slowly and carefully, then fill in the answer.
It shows 9:46:47
